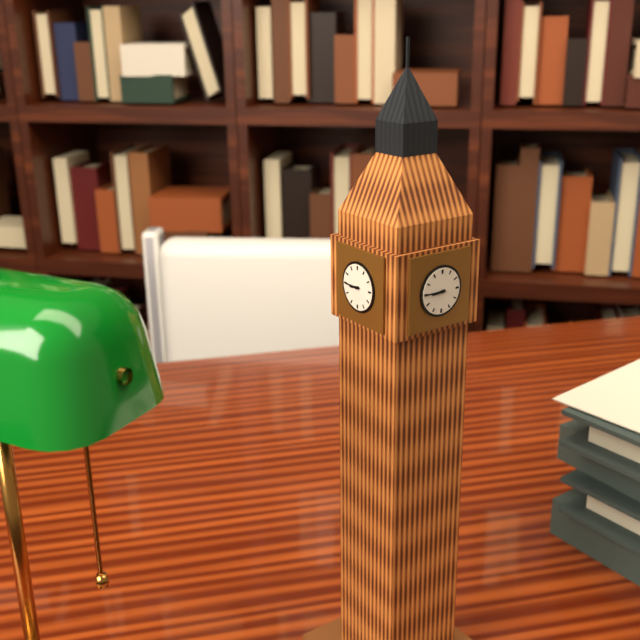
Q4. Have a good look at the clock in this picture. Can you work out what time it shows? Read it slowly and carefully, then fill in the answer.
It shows 8:45
